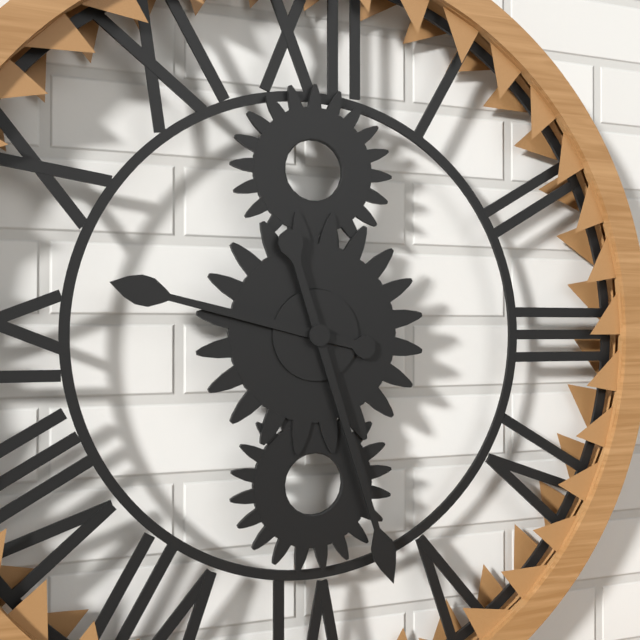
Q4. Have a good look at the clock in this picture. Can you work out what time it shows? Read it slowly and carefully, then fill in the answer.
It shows 9:27
